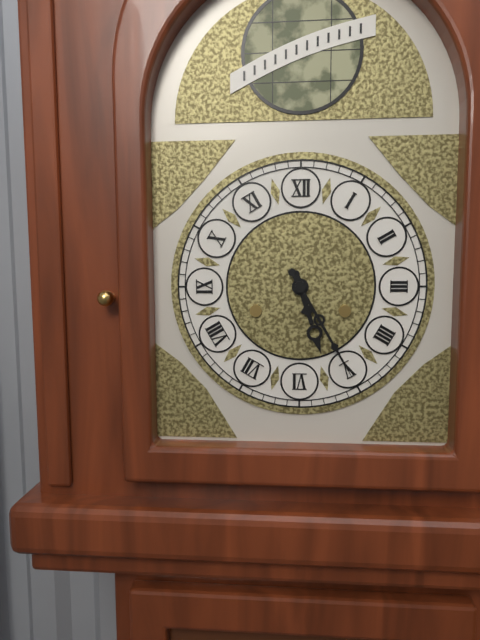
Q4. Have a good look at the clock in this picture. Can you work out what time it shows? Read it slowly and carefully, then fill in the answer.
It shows 5:25
